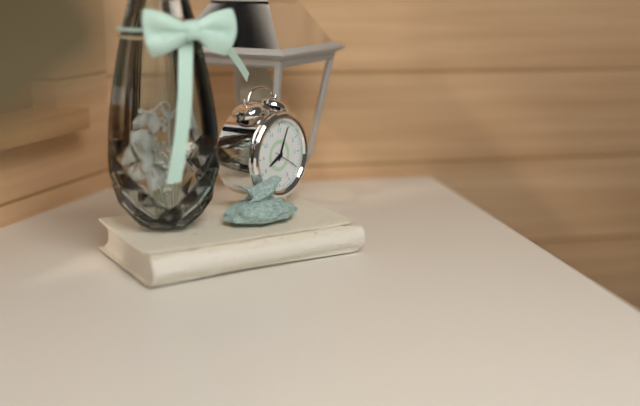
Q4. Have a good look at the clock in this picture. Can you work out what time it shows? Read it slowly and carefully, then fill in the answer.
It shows 8:04
